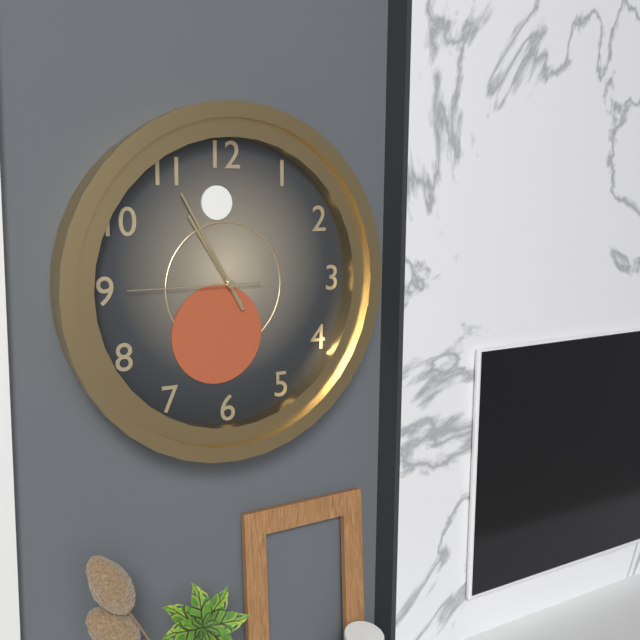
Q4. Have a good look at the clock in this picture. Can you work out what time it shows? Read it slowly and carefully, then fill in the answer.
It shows 10:55:45
